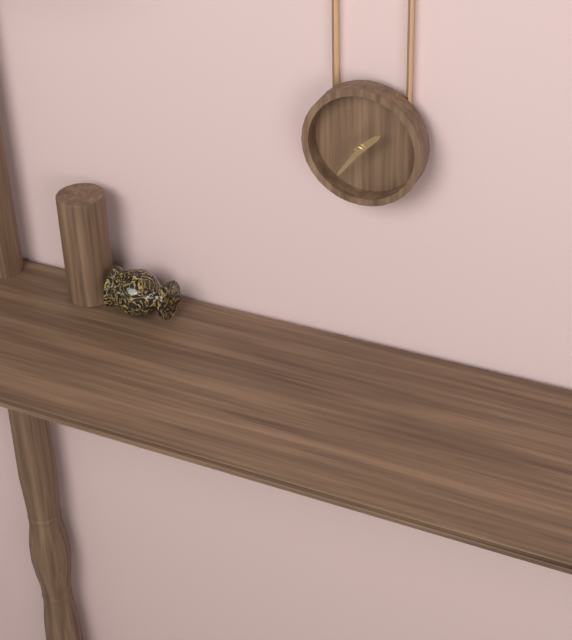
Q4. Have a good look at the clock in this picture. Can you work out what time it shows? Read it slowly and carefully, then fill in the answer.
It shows 1:36
